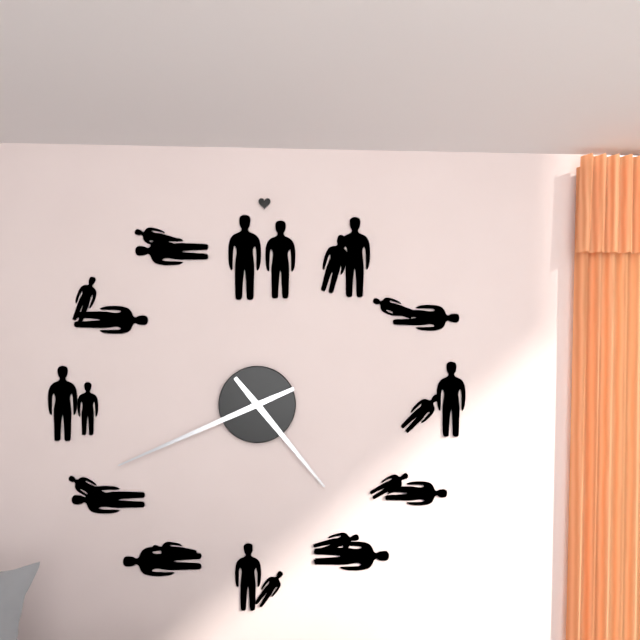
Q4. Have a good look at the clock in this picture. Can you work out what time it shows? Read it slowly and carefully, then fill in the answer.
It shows 4:41
